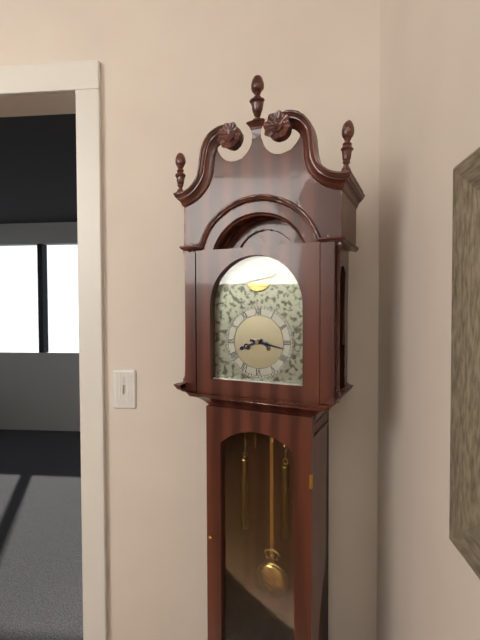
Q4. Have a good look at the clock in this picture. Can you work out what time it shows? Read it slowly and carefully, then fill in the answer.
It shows 8:17
